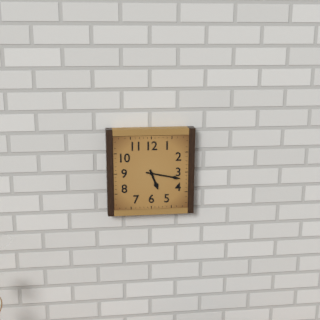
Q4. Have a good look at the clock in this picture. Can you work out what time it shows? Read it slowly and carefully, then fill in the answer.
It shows 5:17
